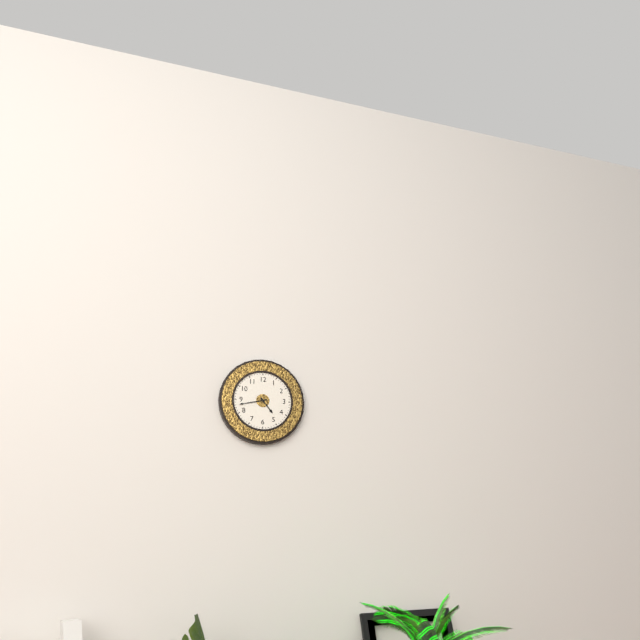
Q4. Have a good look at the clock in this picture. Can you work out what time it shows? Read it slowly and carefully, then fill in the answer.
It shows 4:43
